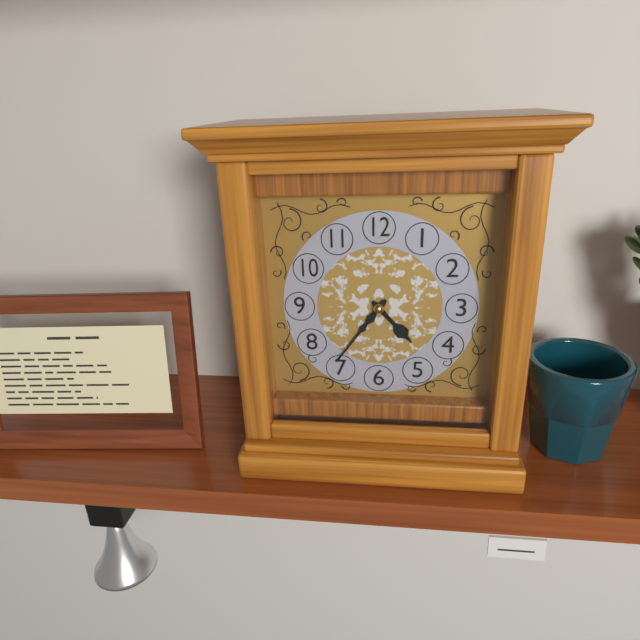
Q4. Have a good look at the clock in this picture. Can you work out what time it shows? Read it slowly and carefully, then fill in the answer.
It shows 4:36
